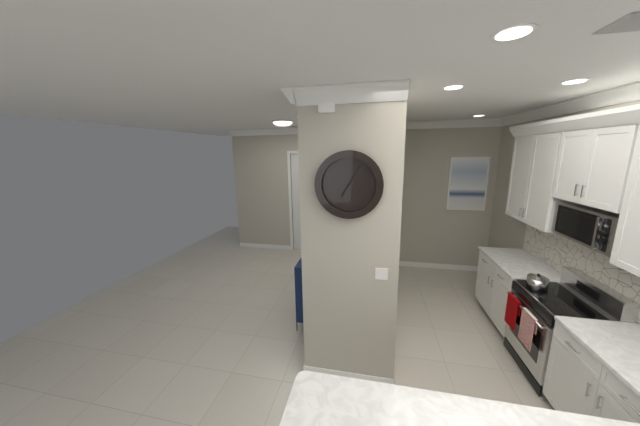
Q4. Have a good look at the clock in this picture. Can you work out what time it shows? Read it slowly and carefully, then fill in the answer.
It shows 7:05
